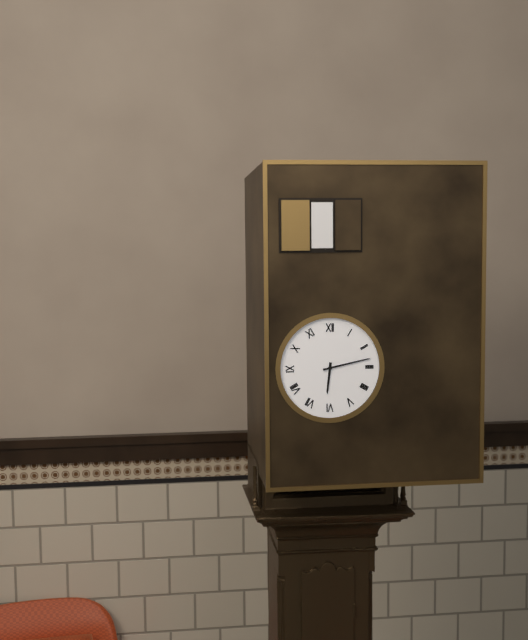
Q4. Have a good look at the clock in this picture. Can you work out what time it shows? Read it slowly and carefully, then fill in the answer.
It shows 6:13
